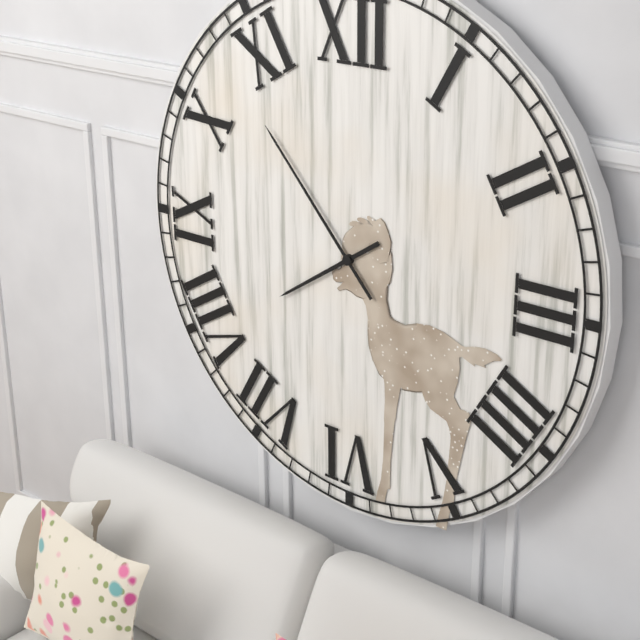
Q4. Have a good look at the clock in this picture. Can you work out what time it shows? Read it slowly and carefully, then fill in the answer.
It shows 7:53
